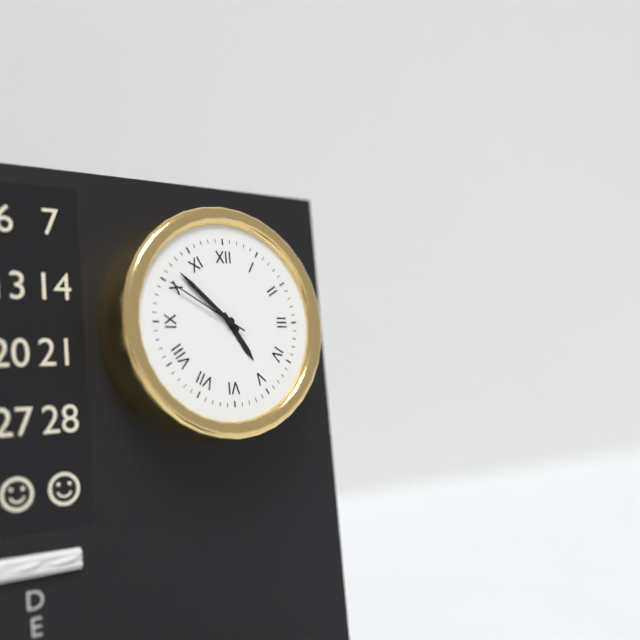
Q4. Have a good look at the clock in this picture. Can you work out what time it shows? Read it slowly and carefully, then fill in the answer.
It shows 4:52:50
